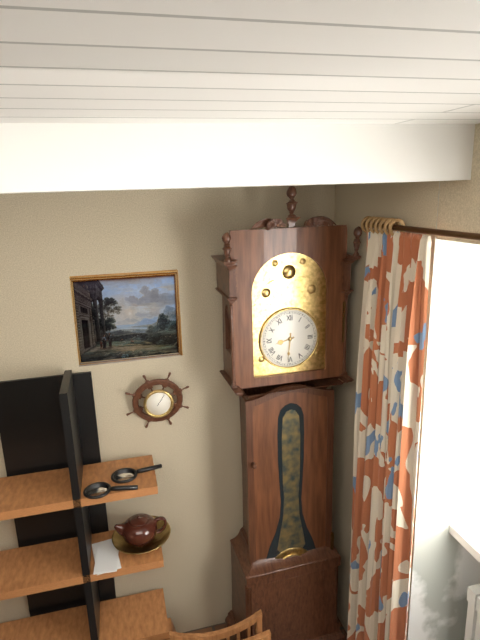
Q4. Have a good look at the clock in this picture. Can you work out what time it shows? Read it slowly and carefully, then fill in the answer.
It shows 8:31
